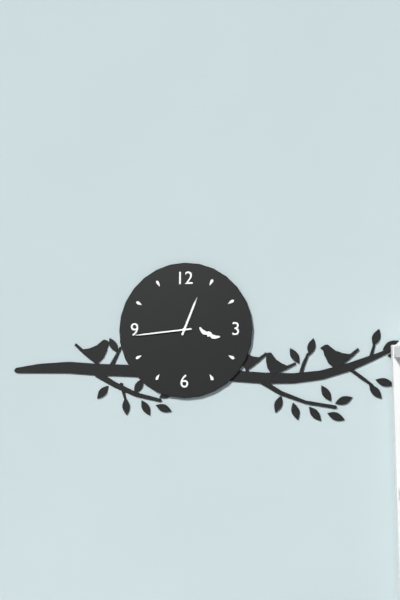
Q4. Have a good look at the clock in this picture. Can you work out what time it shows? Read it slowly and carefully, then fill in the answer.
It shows 12:44
